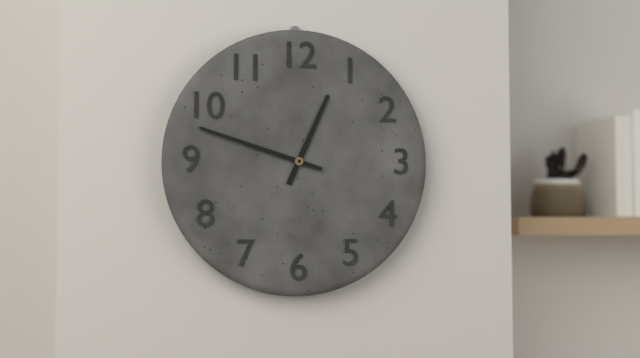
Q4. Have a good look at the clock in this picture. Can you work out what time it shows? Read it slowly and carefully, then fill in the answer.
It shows 12:48
